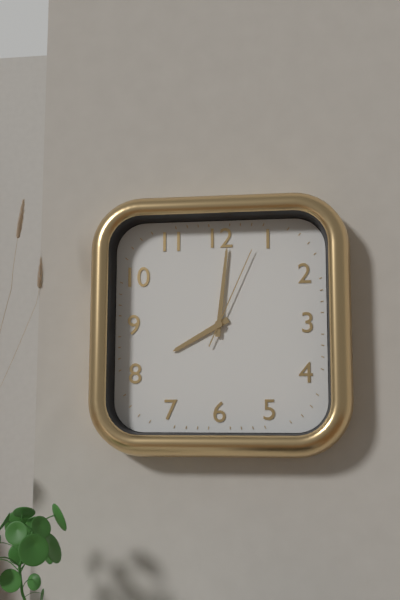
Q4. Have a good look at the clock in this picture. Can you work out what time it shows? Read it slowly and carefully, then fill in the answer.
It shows 8:01:04
